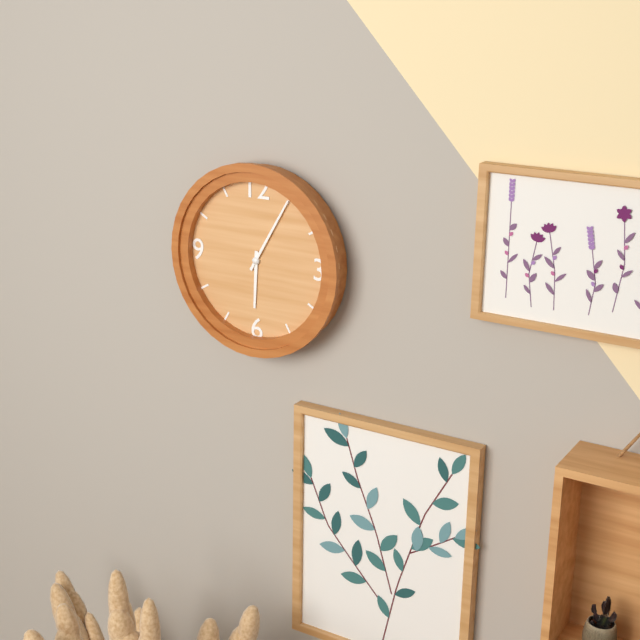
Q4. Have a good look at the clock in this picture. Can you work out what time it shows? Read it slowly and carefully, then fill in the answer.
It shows 6:05
